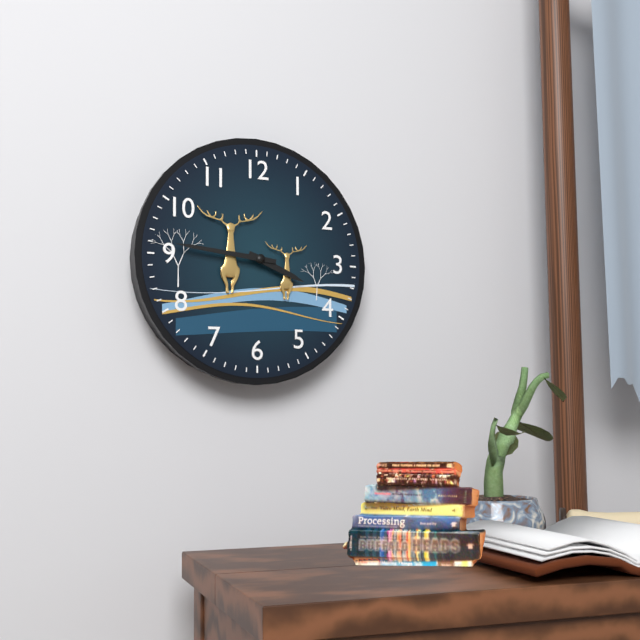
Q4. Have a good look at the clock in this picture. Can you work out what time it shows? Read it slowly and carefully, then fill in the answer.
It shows 3:46
